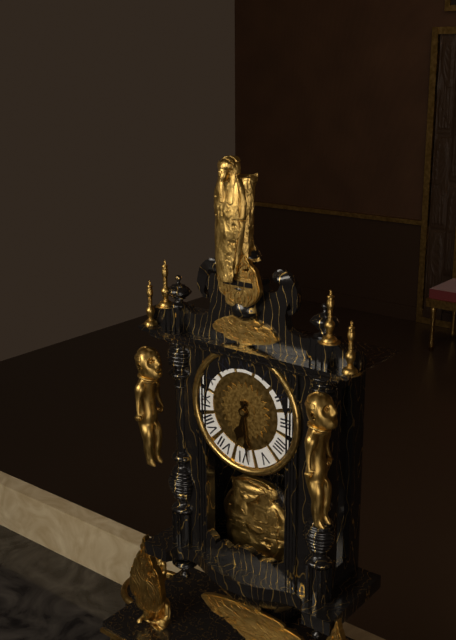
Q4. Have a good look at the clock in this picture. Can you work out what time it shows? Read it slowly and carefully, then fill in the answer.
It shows 6:29
